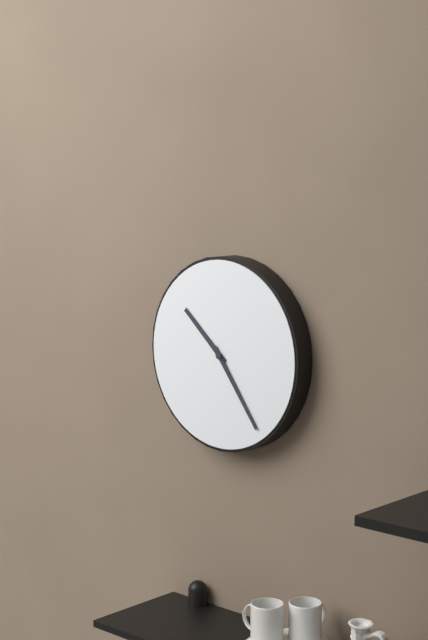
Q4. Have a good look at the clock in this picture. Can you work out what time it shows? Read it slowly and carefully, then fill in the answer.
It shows 10:24
